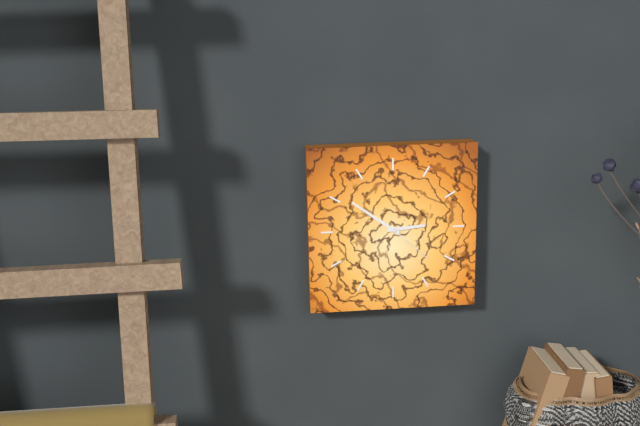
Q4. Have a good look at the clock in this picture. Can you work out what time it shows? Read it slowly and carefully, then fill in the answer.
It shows 2:51:22
